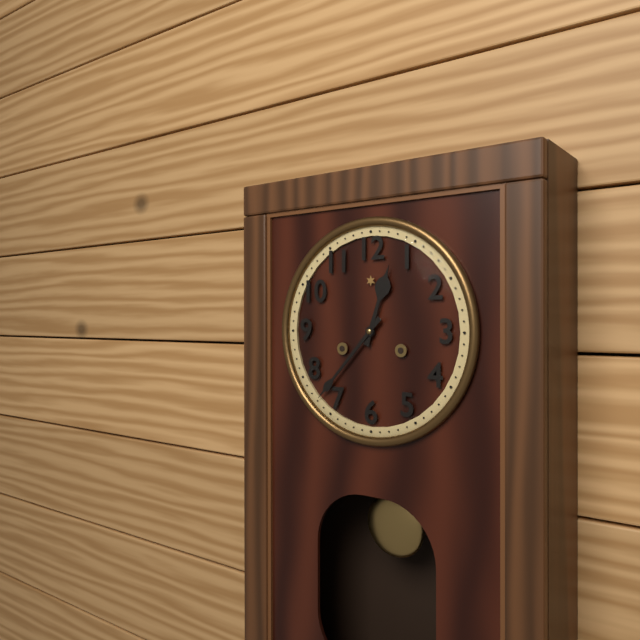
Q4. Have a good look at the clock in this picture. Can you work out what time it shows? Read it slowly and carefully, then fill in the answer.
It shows 12:37
